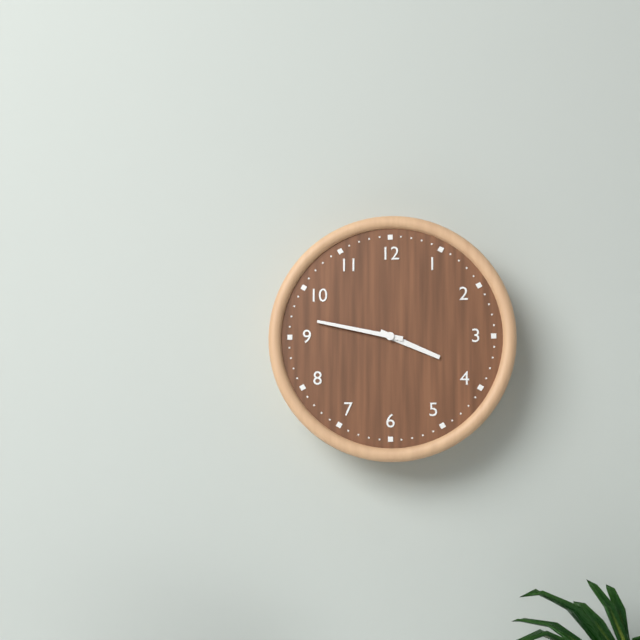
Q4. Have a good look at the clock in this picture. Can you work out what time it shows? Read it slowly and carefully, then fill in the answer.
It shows 3:47
